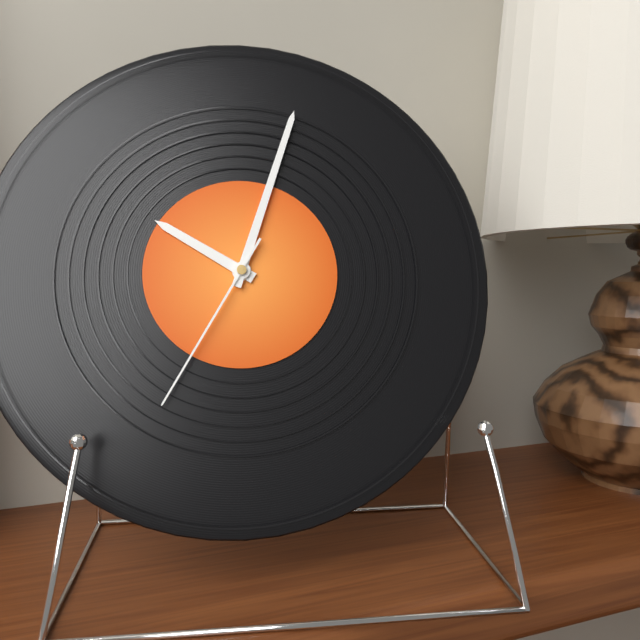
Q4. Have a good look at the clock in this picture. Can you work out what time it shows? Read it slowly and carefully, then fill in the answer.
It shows 10:03:35
